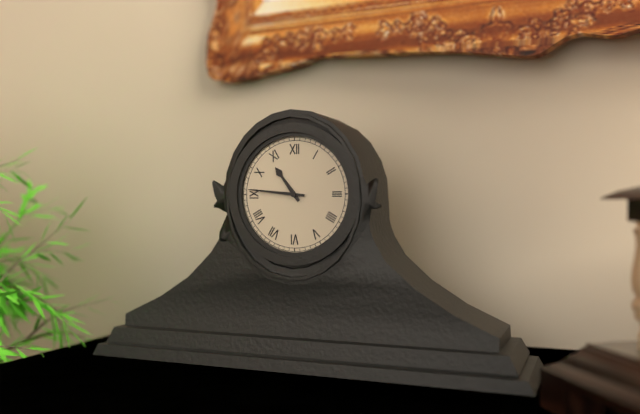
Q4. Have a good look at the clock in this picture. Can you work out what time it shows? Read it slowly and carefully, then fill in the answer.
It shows 10:46
